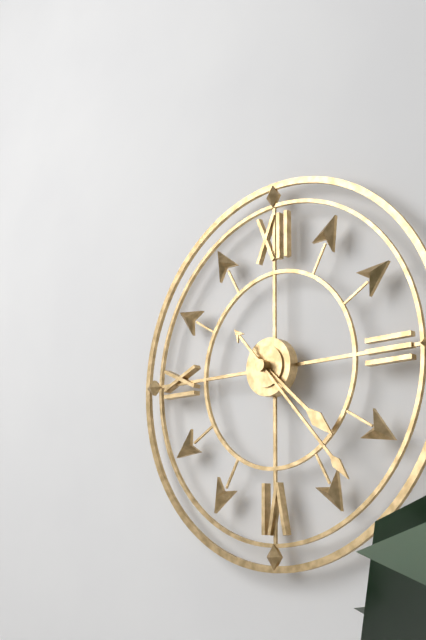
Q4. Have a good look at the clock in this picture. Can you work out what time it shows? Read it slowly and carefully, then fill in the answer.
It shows 4:23
